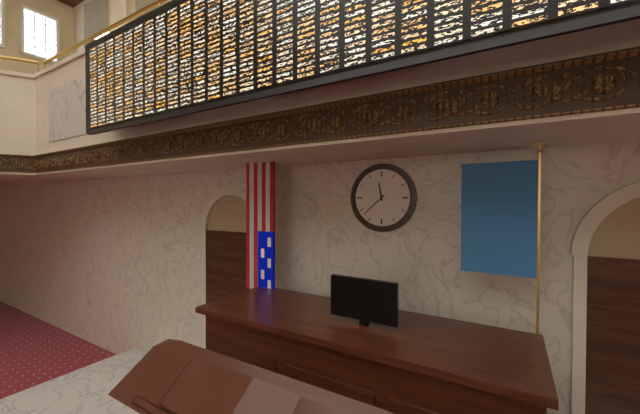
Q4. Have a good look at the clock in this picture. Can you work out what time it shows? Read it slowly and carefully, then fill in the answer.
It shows 11:38
